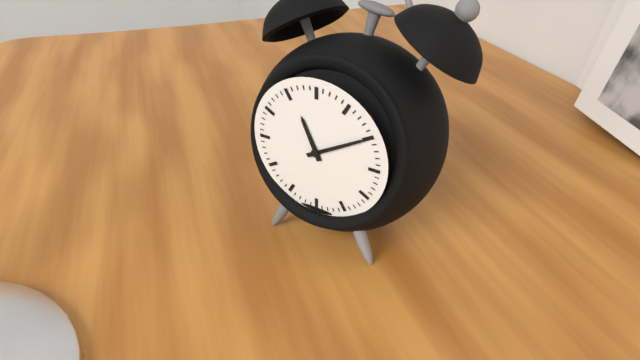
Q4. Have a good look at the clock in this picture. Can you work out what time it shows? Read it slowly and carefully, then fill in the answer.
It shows 11:10
